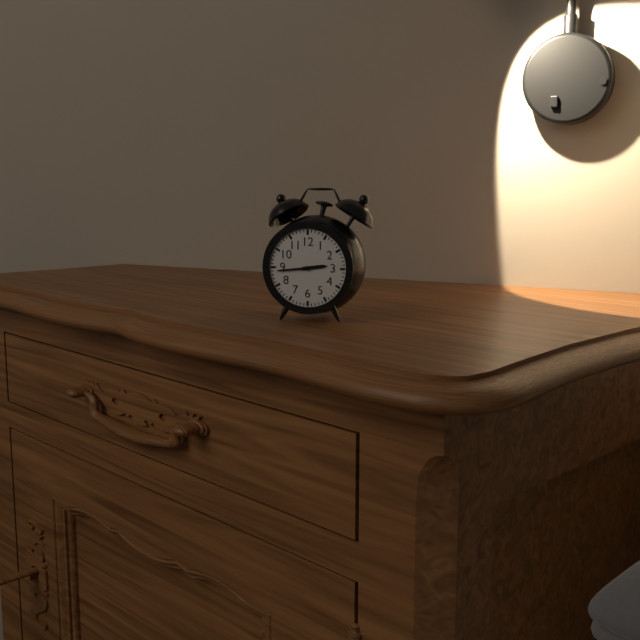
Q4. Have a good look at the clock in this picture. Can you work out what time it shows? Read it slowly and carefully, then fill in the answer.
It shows 2:44
